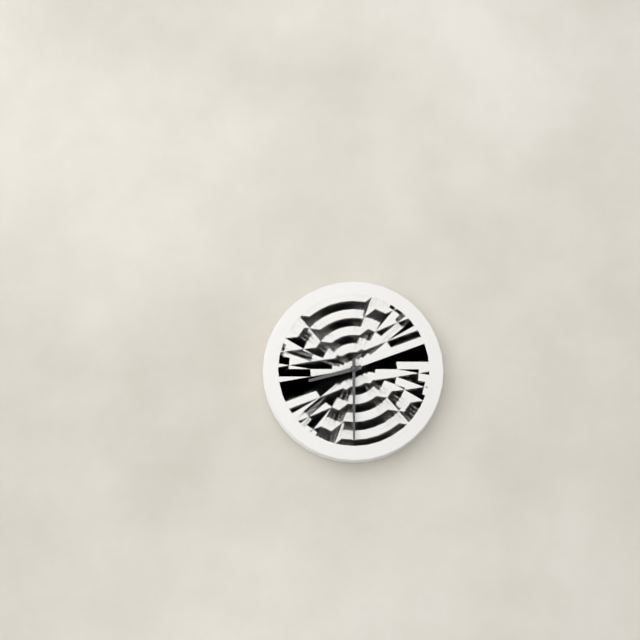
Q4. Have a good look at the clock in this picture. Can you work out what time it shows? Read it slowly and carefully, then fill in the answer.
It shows 8:30
